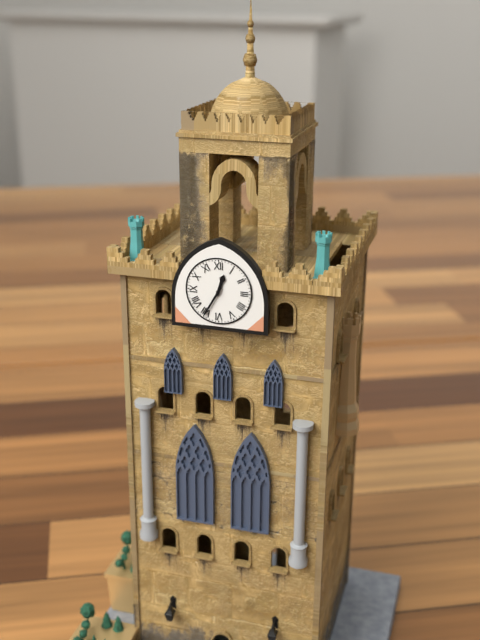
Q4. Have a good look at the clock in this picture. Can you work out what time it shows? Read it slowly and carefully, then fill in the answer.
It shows 12:35
